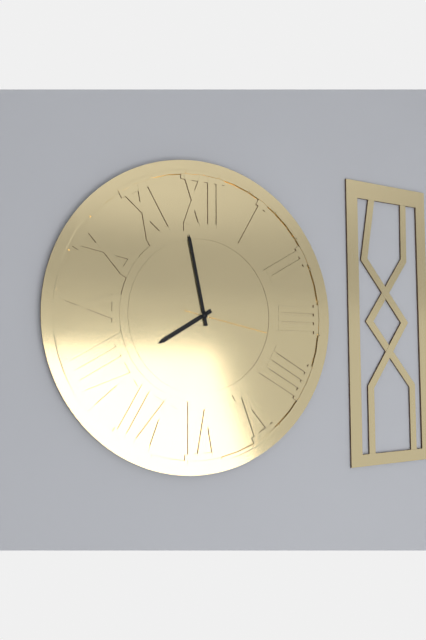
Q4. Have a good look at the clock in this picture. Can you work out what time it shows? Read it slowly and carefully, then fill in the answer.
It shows 7:58:17
